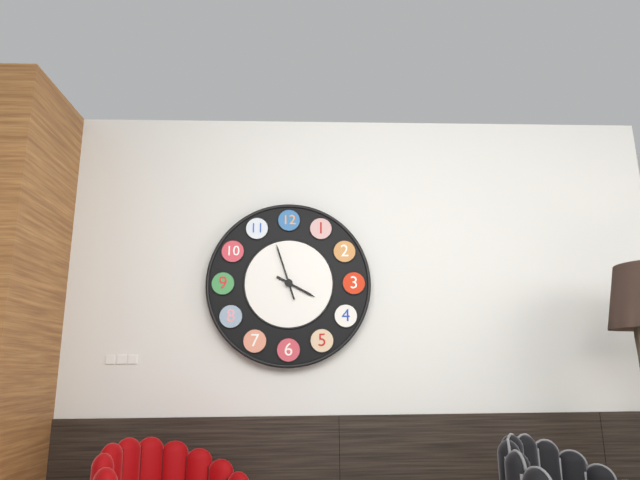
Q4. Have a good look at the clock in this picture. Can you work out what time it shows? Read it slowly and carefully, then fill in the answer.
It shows 3:57
